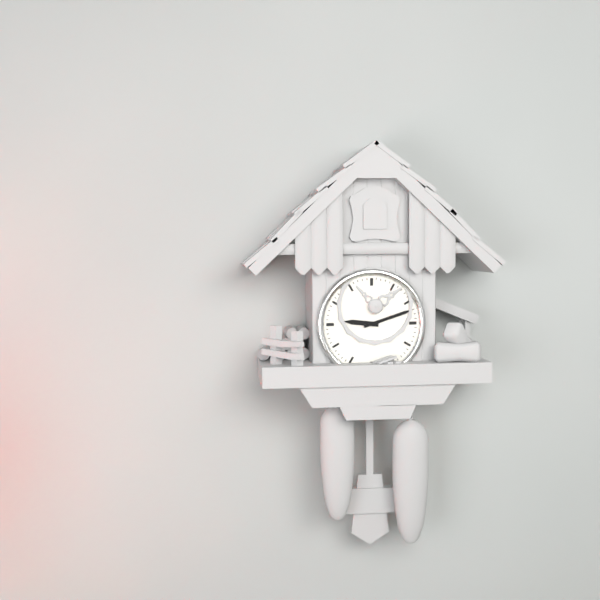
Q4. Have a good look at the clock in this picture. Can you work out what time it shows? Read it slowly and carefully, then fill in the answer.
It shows 9:12
